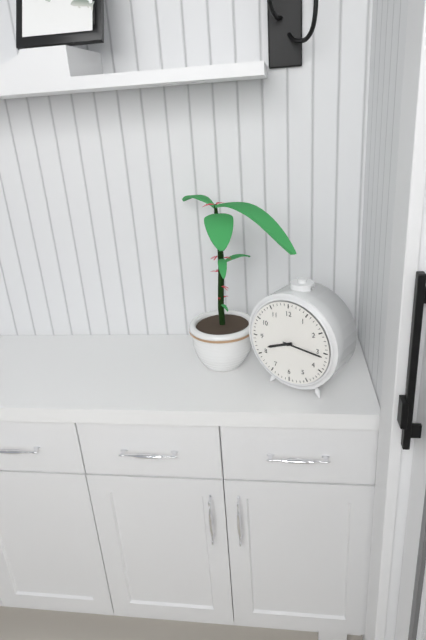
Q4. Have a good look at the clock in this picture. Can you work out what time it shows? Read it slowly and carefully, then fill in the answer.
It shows 8:16
